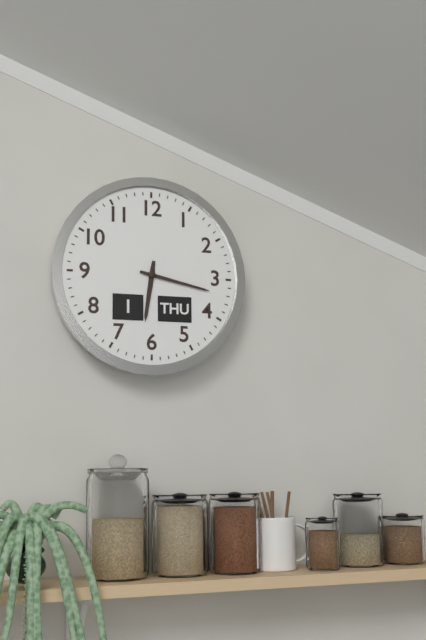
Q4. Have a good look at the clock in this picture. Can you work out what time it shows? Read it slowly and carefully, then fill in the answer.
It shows 6:17
